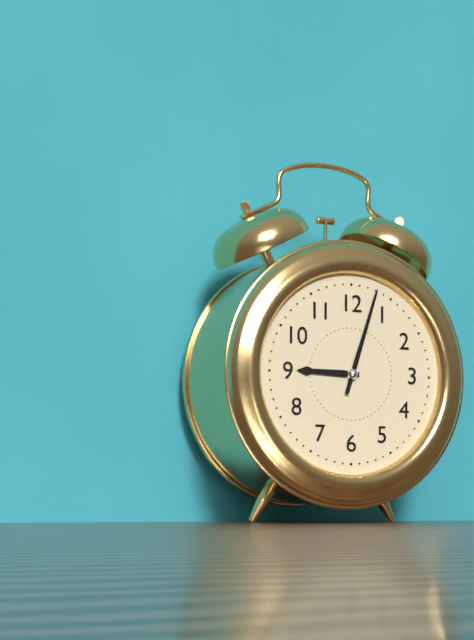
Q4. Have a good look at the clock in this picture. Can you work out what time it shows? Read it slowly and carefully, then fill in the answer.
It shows 9:03
